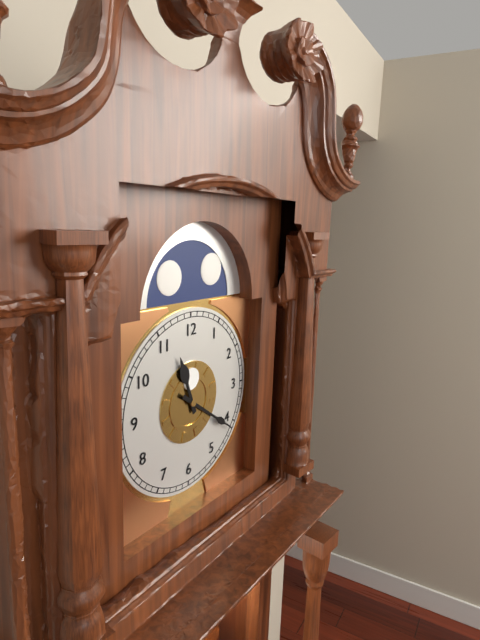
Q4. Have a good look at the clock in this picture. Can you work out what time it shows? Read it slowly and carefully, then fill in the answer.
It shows 11:21
